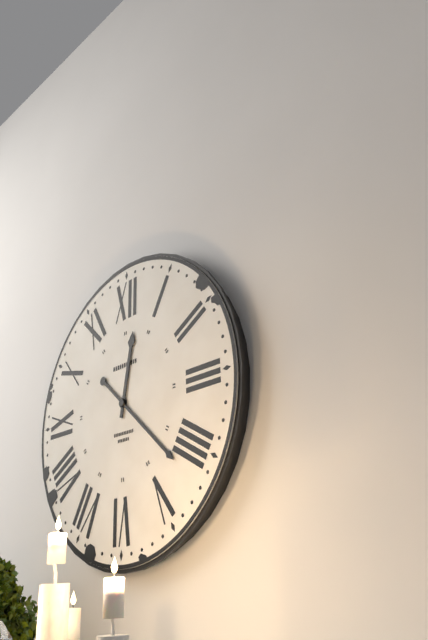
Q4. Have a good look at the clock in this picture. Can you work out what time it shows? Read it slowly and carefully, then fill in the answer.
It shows 12:22
